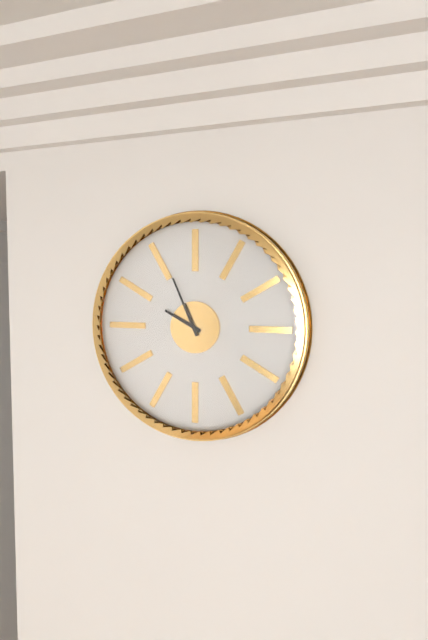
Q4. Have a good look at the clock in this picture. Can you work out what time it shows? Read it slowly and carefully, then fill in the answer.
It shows 9:56
